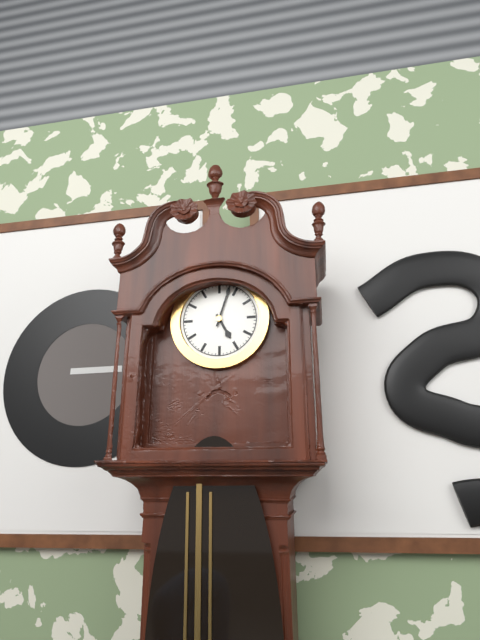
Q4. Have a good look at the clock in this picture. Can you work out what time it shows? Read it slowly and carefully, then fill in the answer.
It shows 5:03
